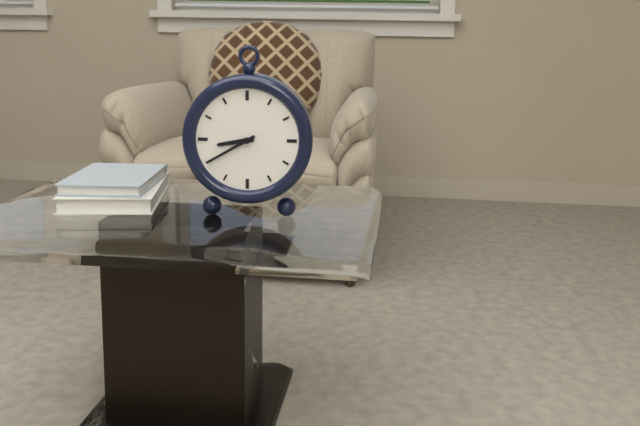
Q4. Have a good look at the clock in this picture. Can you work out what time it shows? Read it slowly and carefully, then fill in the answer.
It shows 8:40
